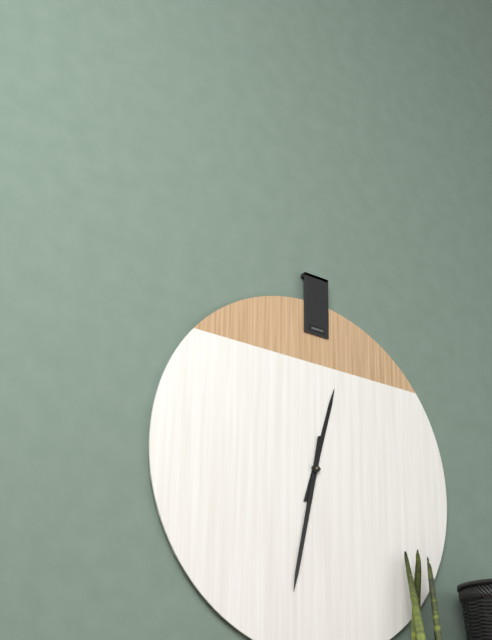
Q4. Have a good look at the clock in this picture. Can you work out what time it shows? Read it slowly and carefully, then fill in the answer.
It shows 12:32
